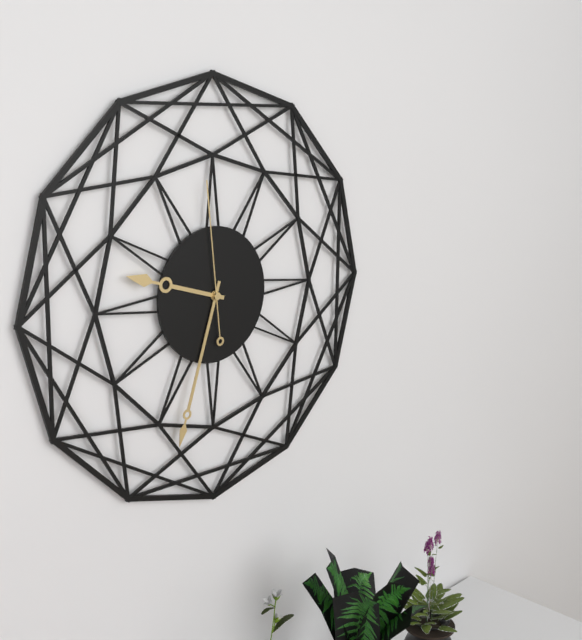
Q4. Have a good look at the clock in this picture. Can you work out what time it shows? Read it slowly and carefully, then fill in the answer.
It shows 9:33:59
